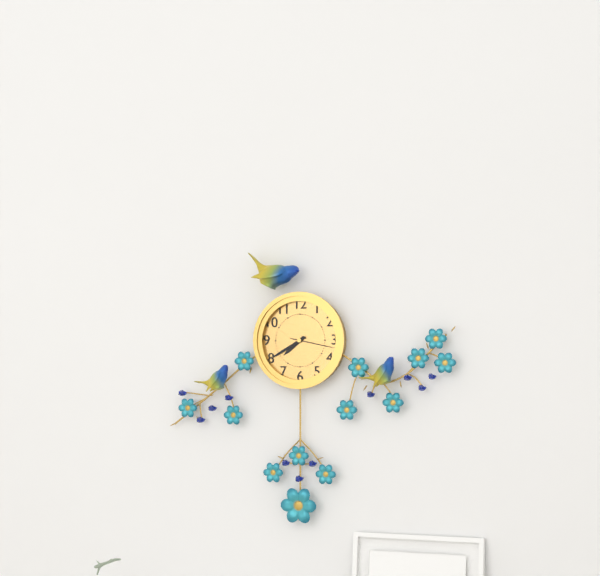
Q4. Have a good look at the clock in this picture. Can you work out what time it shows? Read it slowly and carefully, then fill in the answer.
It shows 7:40
